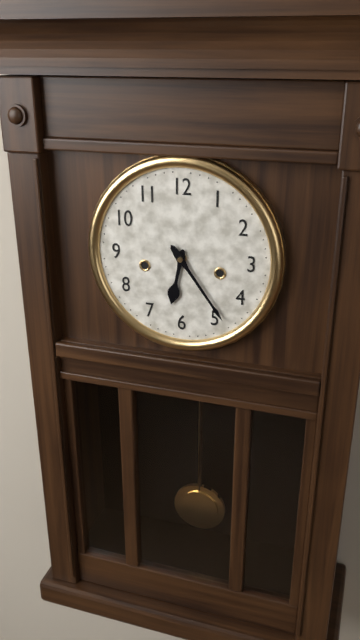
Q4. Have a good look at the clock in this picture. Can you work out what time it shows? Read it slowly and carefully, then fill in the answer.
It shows 6:24
